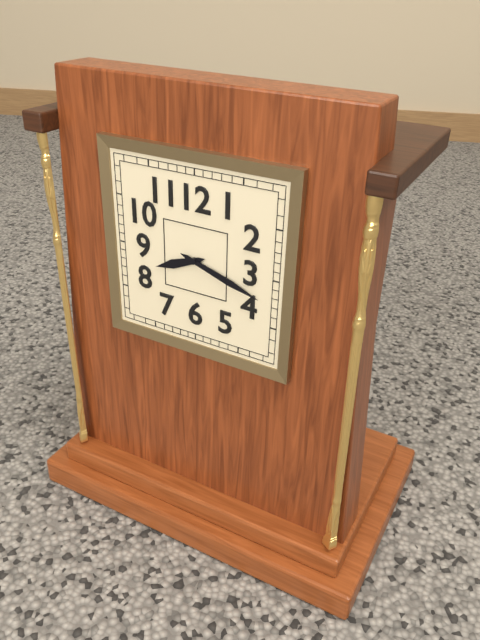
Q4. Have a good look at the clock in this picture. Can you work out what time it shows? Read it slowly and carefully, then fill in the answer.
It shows 8:18
